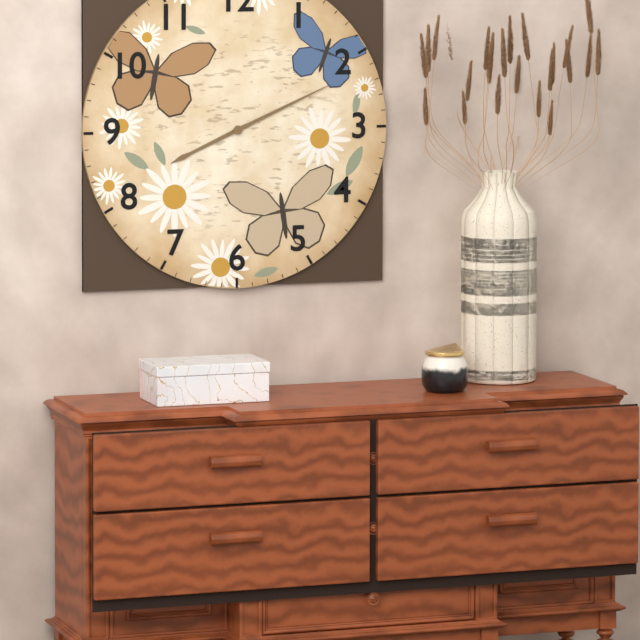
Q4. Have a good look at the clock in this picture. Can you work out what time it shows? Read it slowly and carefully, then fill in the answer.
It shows 8:11
